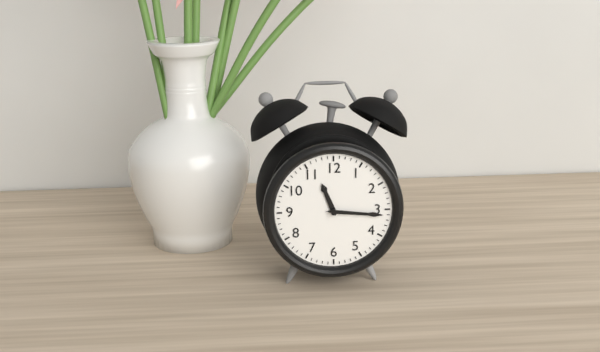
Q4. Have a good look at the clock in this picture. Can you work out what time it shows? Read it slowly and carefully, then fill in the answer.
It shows 11:16
